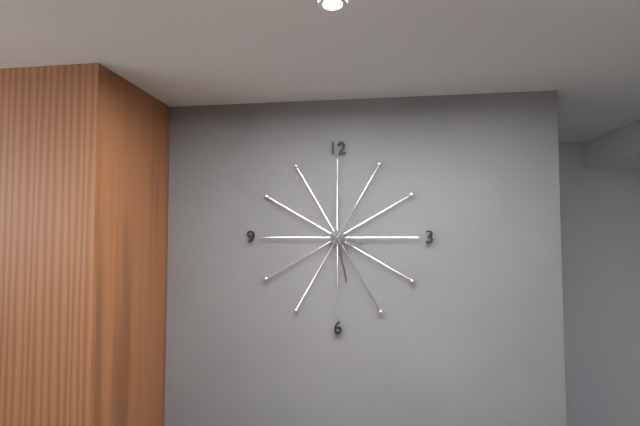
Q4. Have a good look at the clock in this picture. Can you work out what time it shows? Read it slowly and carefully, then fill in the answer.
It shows 3:28
